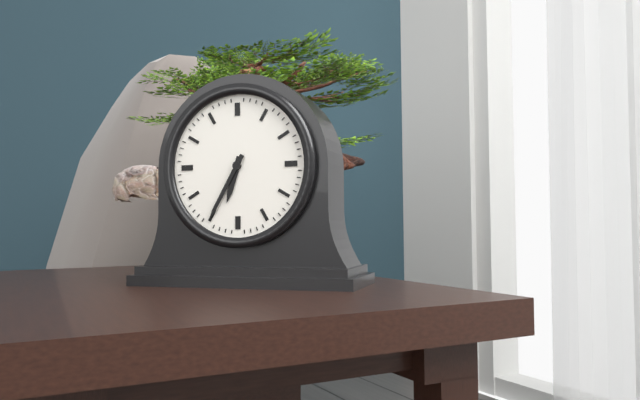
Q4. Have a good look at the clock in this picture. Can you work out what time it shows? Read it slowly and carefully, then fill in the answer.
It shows 6:35
